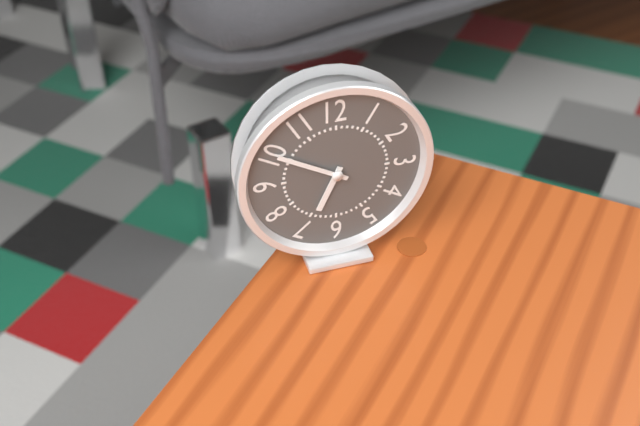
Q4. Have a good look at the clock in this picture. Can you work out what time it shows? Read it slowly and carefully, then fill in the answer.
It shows 6:50
